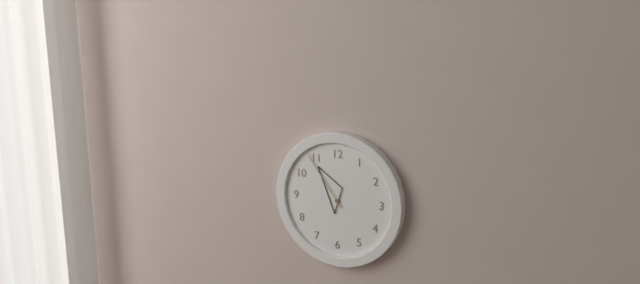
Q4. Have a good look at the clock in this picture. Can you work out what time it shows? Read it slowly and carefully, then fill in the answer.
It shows 10:54
